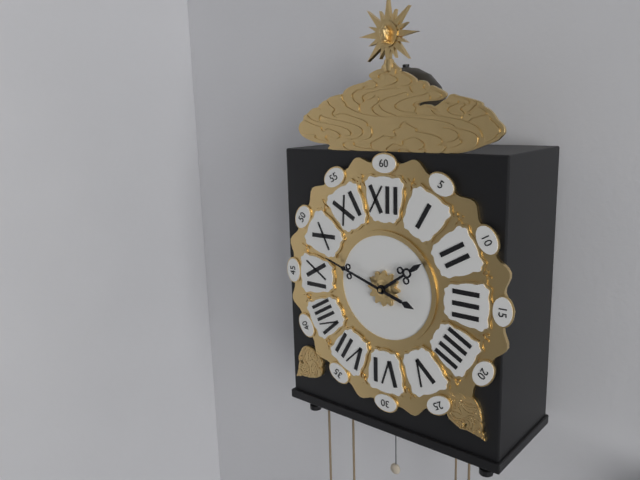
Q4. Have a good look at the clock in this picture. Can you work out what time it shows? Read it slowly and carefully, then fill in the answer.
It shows 1:48
